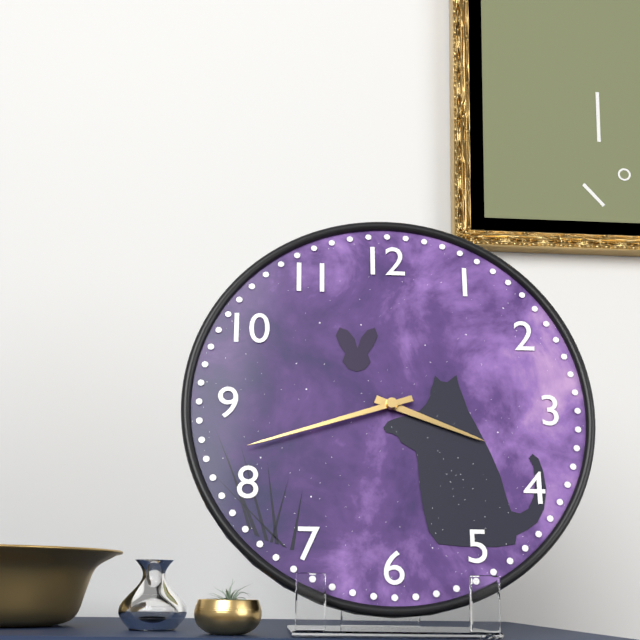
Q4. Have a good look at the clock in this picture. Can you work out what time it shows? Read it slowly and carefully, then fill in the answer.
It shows 3:42
